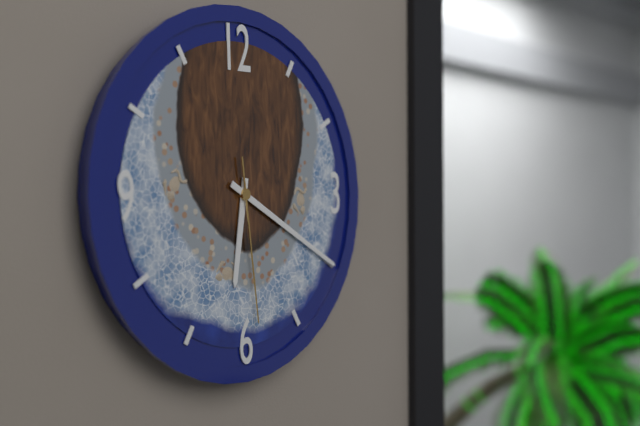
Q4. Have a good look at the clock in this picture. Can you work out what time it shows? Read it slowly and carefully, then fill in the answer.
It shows 6:20:29
